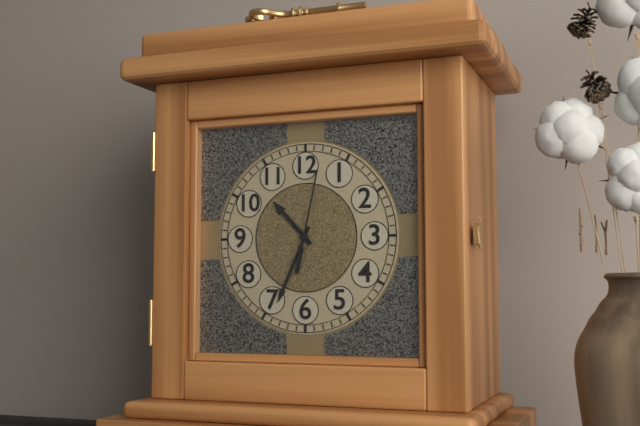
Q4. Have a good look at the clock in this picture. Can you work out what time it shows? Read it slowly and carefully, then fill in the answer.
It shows 10:34:02
